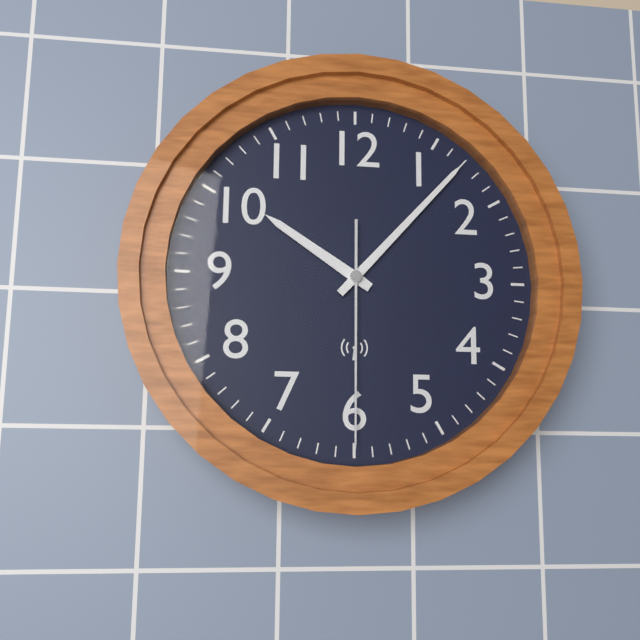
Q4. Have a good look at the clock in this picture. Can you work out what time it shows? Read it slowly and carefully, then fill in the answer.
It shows 10:07:30
